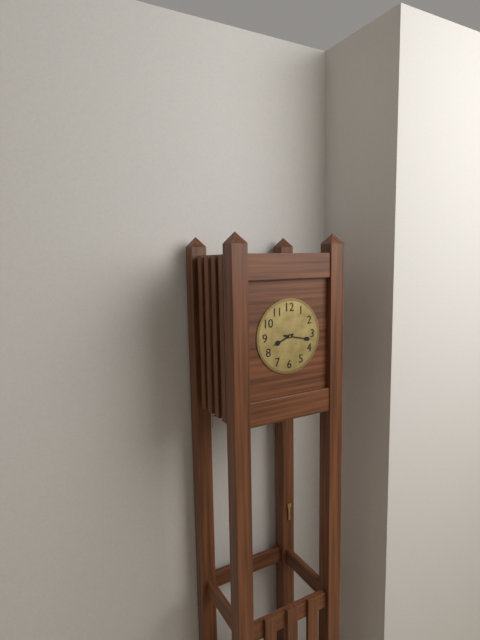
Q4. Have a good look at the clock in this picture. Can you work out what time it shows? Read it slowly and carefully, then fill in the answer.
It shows 8:17
